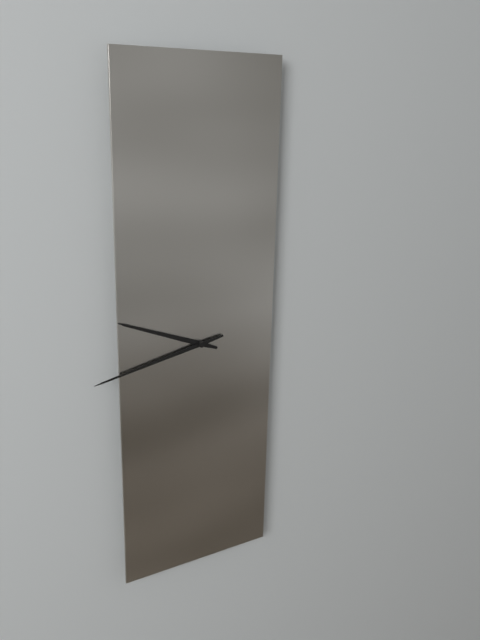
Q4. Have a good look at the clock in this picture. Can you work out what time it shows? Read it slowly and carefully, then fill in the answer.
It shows 9:43
